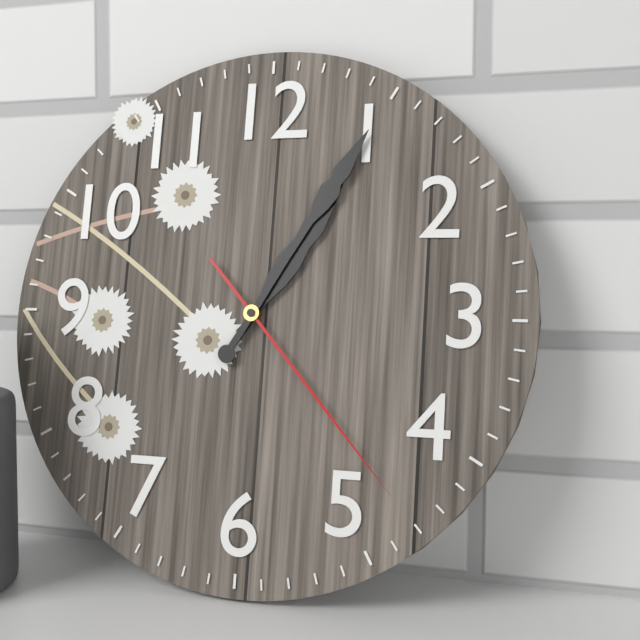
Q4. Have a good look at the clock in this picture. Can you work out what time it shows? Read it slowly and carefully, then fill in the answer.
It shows 1:05:23
